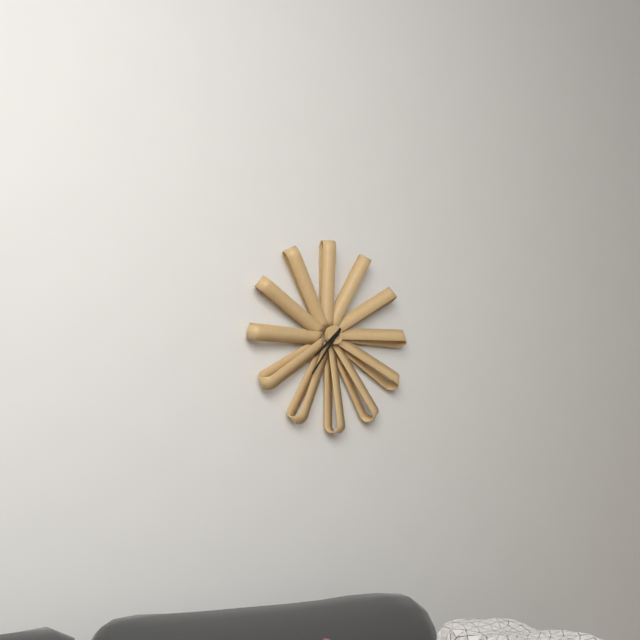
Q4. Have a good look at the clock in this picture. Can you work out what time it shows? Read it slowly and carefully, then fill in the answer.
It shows 7:36
